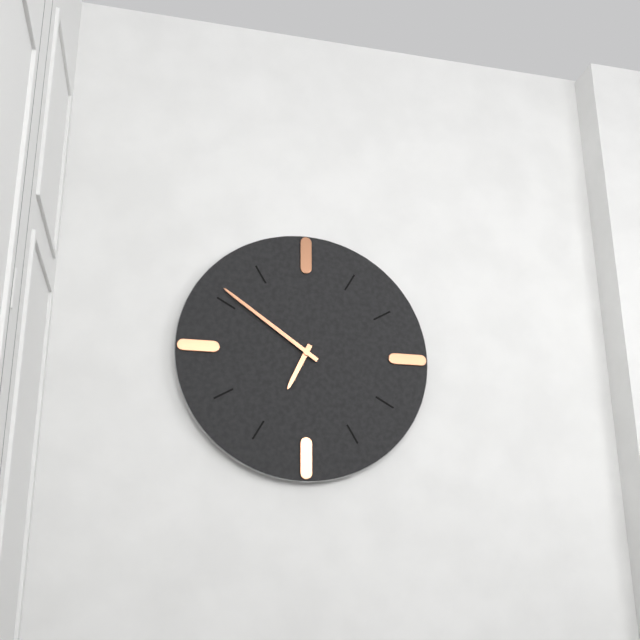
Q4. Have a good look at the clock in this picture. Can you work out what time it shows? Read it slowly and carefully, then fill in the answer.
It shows 6:51
